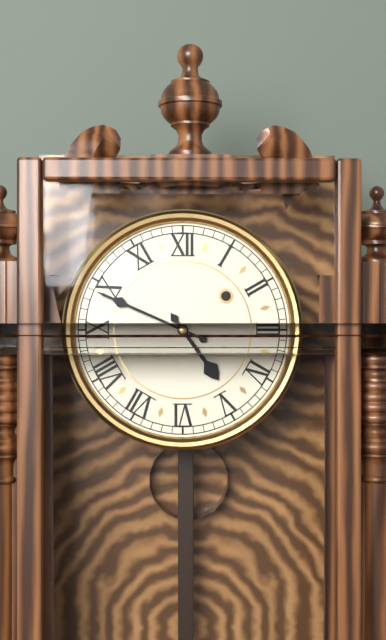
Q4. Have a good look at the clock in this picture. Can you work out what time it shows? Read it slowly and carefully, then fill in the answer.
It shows 4:49
